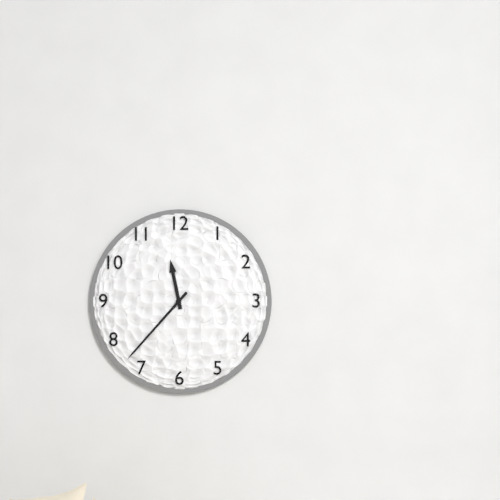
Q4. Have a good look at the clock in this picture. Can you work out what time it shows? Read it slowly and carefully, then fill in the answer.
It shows 11:37
